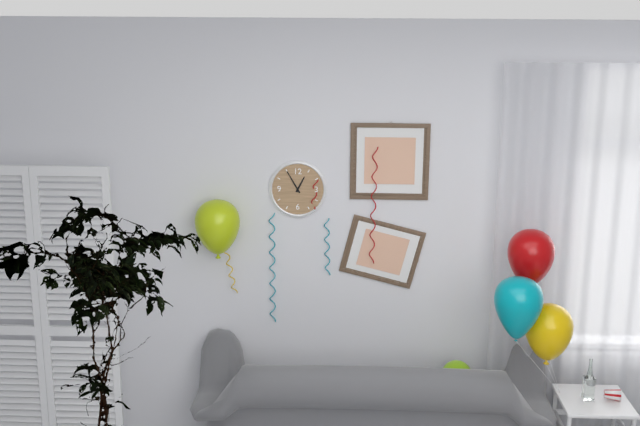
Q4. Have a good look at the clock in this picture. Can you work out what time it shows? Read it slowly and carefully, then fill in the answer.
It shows 12:55
